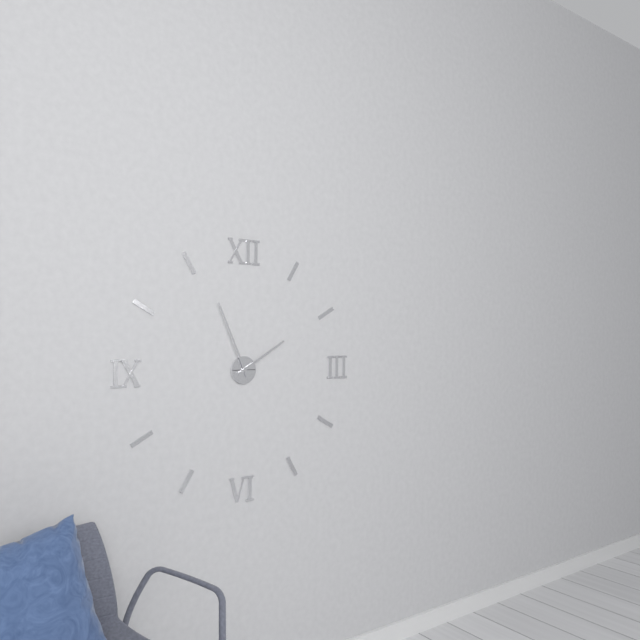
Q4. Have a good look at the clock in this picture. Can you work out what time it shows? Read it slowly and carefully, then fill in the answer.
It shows 1:56
